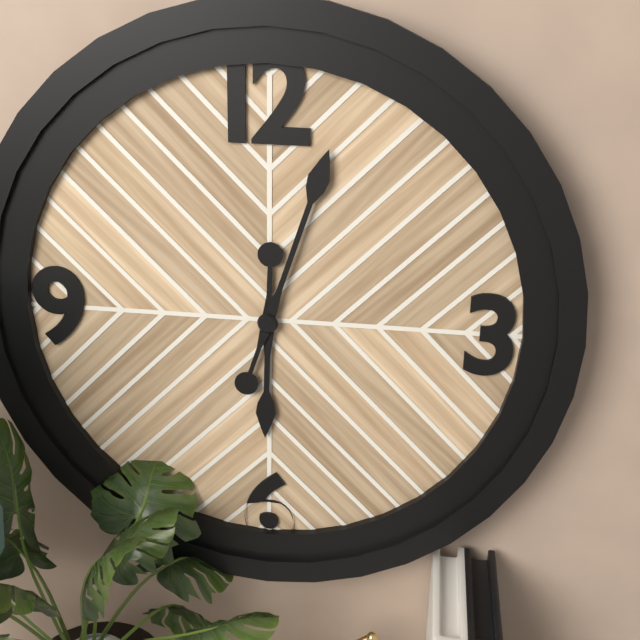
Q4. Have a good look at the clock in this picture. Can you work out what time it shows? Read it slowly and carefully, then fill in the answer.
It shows 6:03
